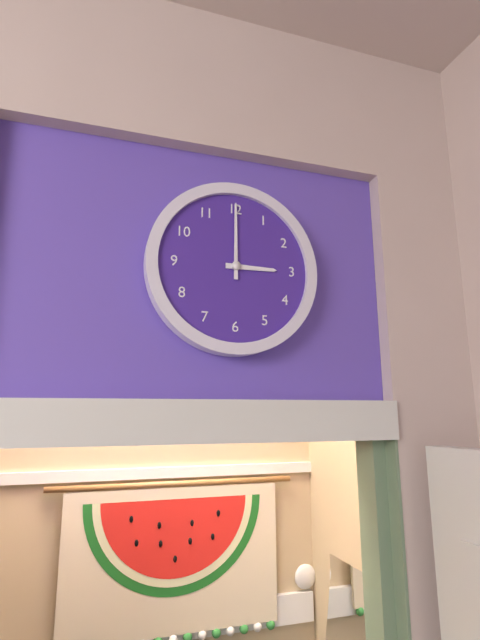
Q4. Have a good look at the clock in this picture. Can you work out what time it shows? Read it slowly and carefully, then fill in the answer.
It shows 3:00
